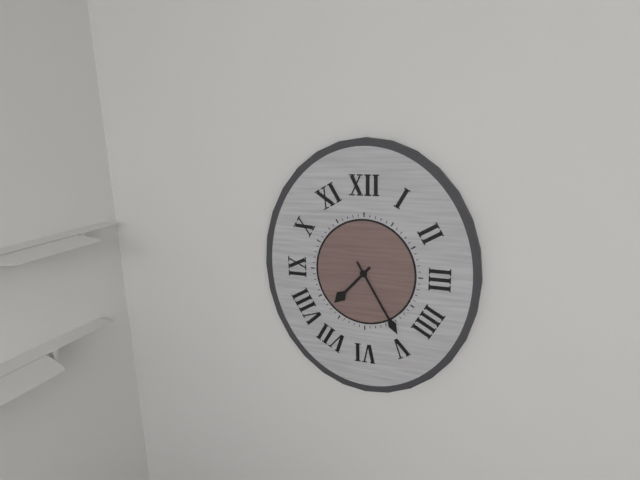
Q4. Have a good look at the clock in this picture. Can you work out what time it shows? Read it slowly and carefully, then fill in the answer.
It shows 7:25
